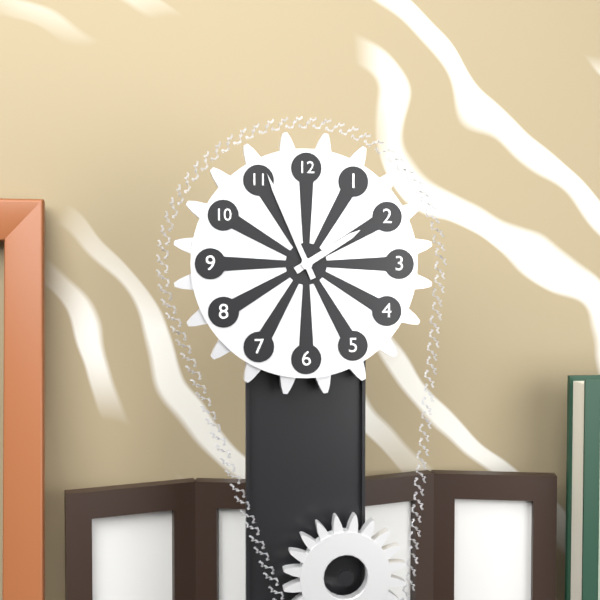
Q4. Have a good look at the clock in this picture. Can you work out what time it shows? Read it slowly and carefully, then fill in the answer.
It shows 1:56
